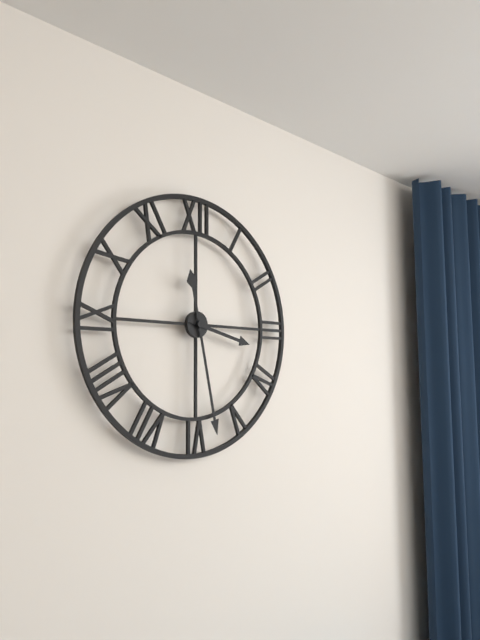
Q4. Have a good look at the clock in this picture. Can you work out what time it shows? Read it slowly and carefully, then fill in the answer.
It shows 3:28
